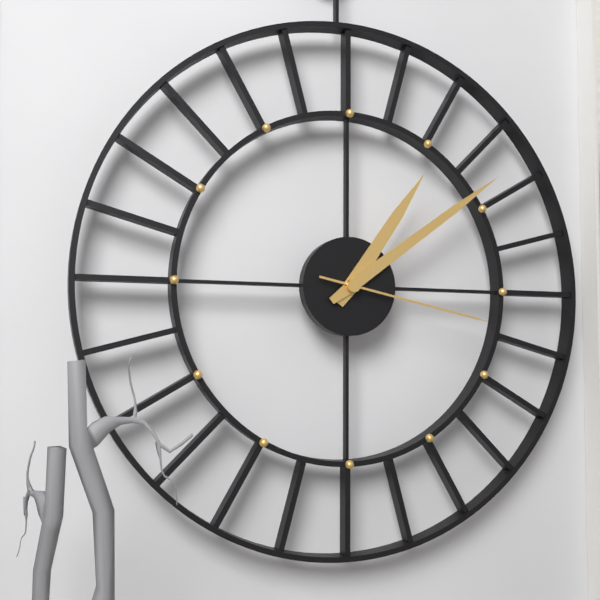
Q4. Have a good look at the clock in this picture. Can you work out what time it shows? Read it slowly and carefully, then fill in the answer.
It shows 1:09:17
